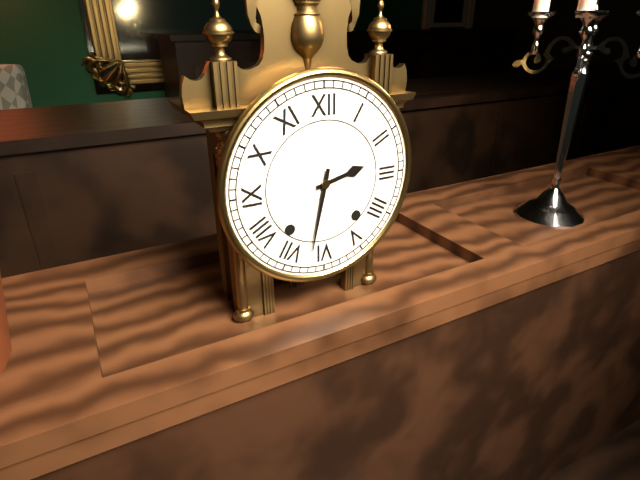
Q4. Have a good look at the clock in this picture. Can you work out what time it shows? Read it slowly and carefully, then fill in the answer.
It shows 2:32
